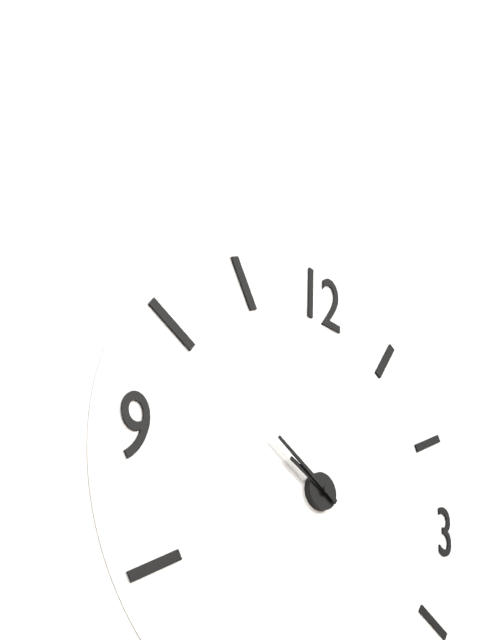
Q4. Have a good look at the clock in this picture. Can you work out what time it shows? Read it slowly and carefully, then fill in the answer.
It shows 9:50
